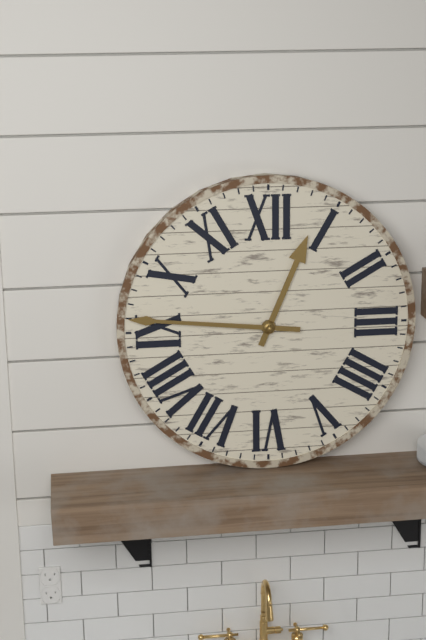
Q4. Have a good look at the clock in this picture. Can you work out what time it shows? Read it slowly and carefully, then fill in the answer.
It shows 12:46
